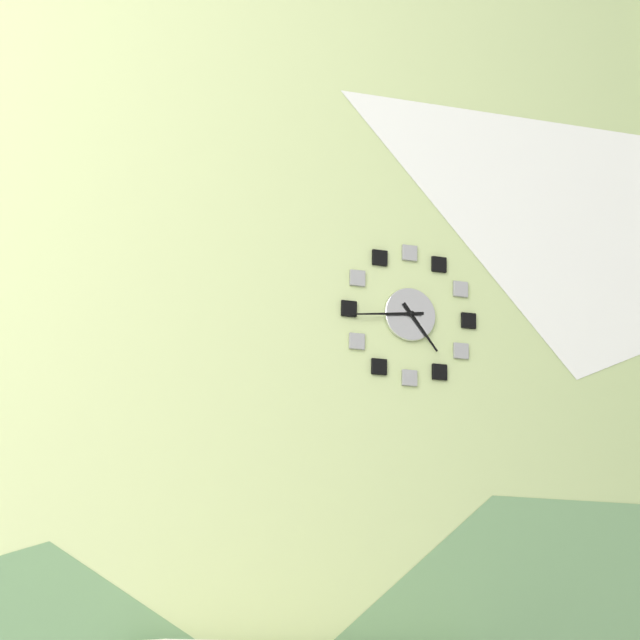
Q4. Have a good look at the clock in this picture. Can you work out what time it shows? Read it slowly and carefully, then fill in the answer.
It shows 4:44
